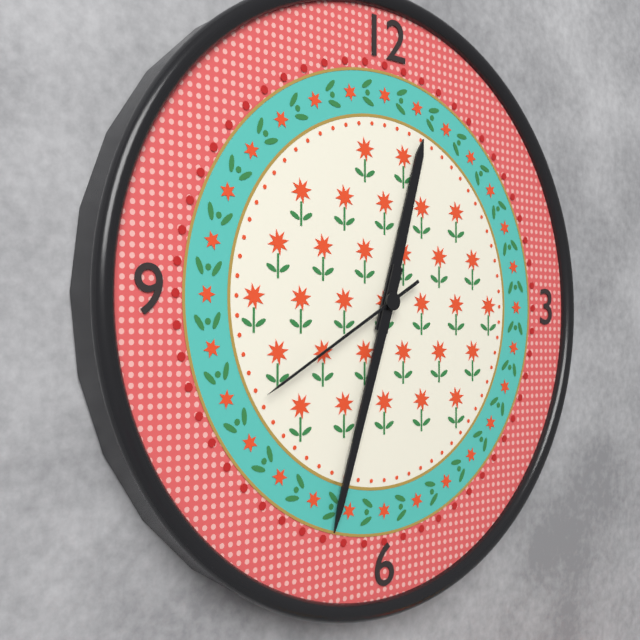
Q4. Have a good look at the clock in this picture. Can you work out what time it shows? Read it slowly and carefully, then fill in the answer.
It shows 12:33:40
